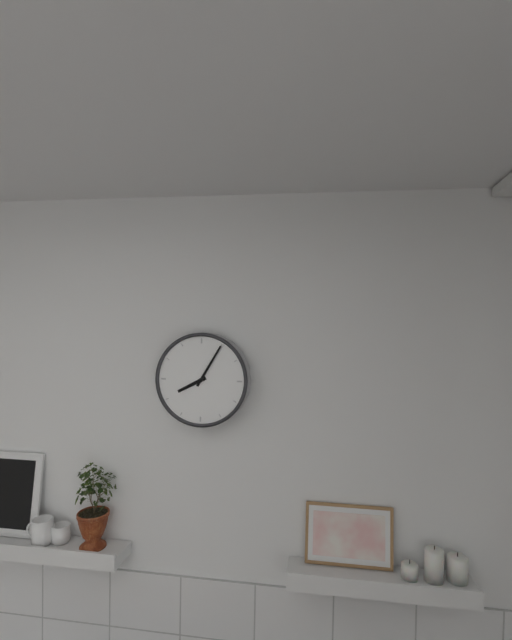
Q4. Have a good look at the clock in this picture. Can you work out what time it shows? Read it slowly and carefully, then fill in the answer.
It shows 8:05
